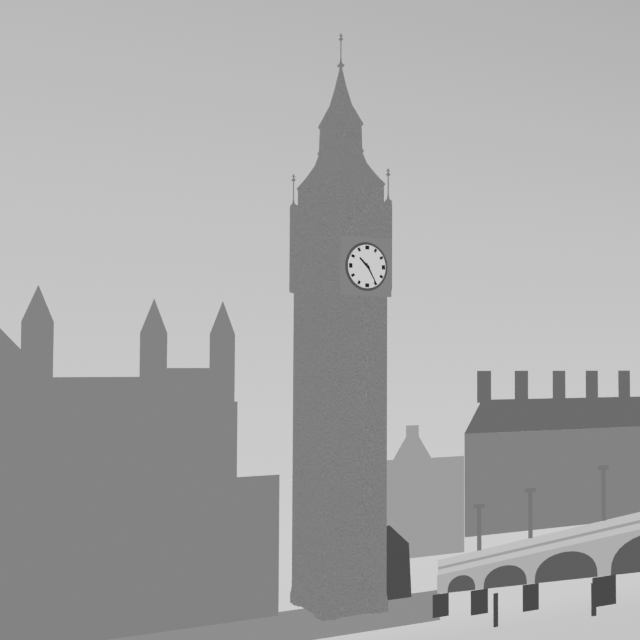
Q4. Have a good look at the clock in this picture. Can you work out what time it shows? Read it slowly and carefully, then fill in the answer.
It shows 10:25
